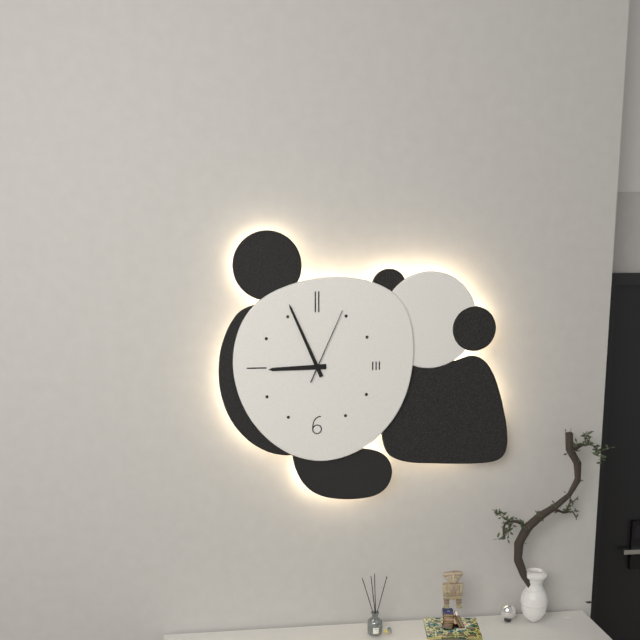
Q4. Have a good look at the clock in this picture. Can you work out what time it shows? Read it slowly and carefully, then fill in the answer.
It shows 8:56:04
